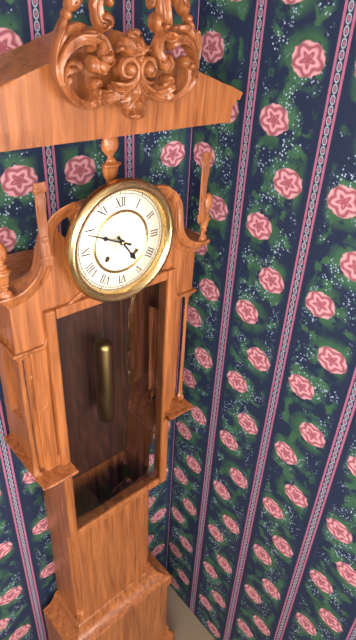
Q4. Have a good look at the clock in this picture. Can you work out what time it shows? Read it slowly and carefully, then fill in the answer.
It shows 4:49
